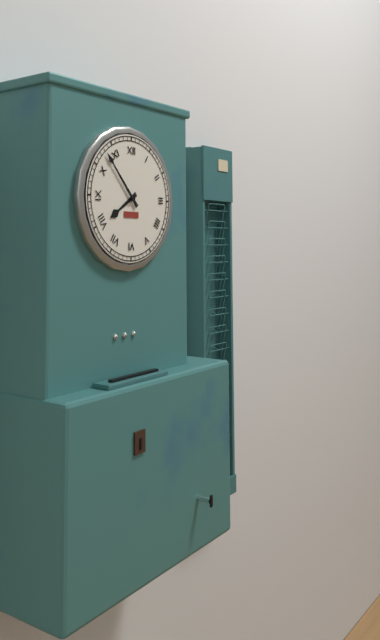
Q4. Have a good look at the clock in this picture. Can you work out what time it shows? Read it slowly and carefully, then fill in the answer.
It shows 7:53
